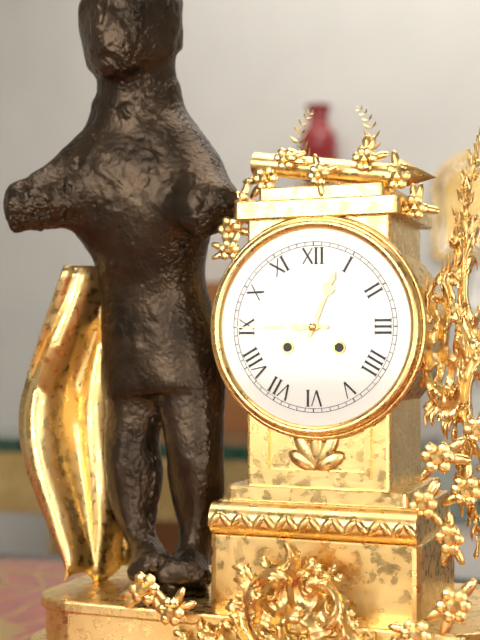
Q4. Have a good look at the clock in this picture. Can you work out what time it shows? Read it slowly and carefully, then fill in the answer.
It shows 12:45
